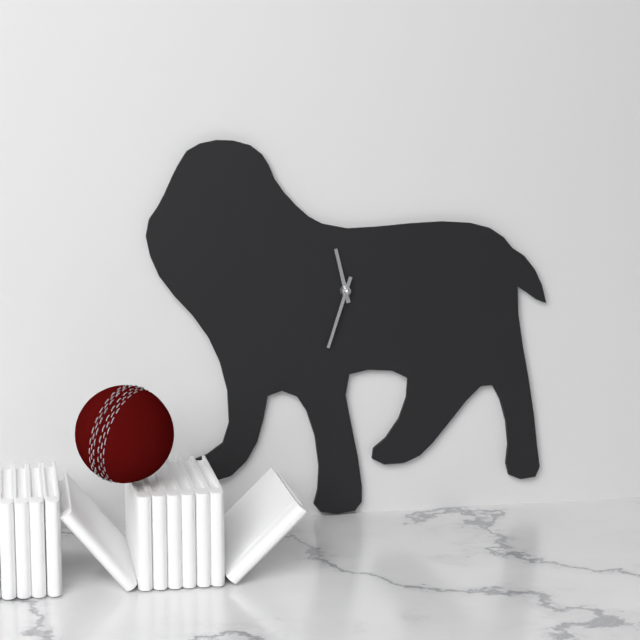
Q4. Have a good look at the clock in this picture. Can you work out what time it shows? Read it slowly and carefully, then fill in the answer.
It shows 11:33
